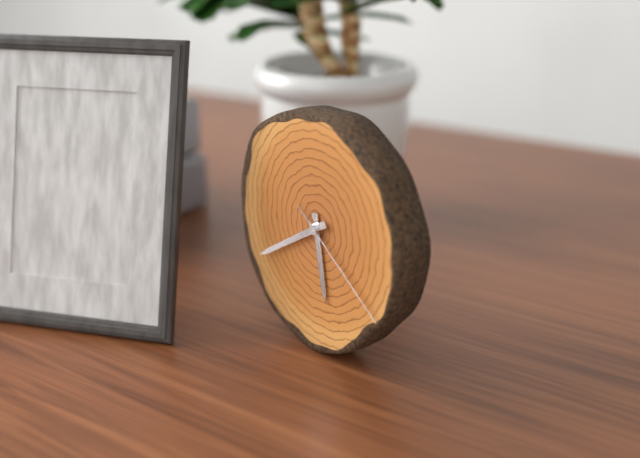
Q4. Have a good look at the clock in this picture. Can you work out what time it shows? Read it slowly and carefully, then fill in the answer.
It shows 5:40:21
